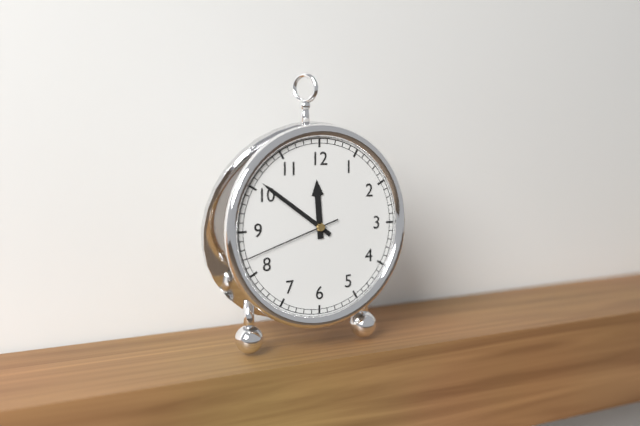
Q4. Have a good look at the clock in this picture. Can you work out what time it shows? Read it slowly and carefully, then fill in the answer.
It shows 11:51:42
